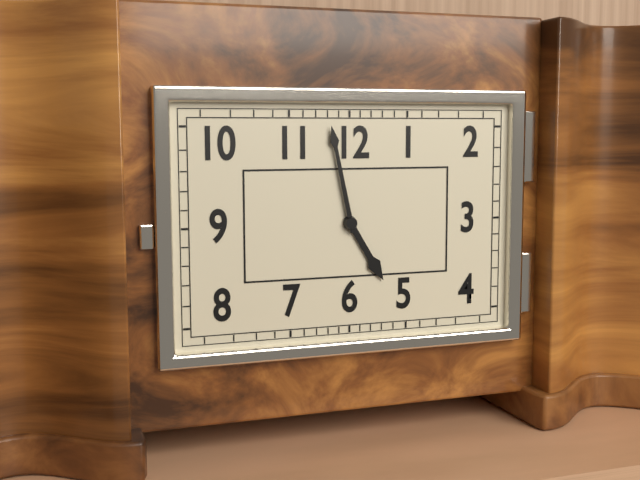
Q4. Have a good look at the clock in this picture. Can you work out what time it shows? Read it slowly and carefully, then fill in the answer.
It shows 4:58
